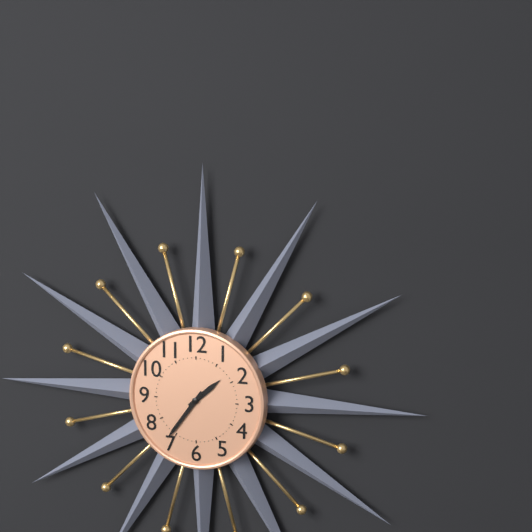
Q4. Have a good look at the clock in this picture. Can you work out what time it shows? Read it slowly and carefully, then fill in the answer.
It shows 1:36
